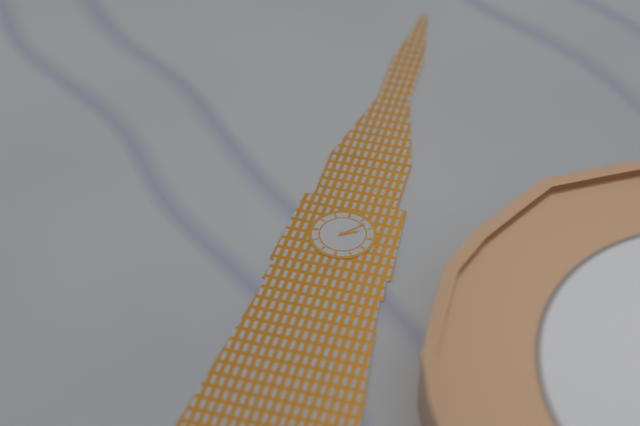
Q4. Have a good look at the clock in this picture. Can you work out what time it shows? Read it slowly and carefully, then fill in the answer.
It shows 2:07
